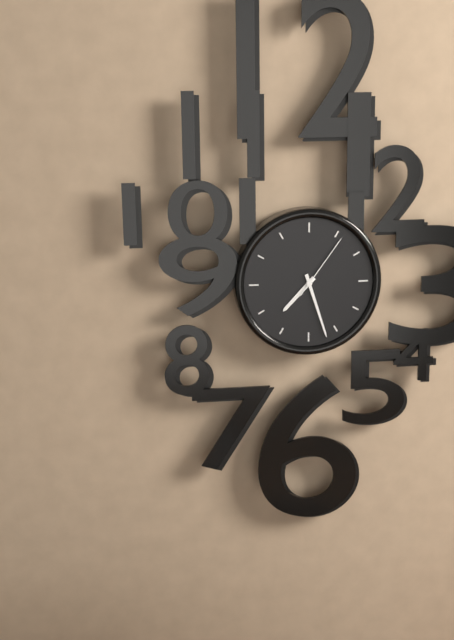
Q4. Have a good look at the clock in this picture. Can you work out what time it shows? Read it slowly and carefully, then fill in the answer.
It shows 7:27:06
